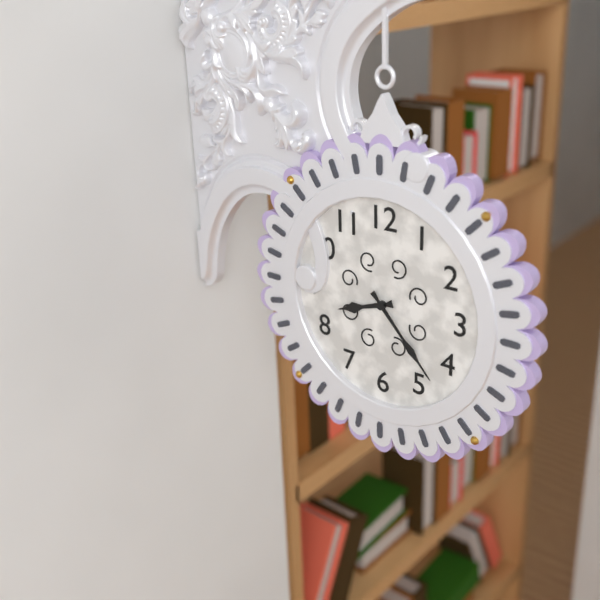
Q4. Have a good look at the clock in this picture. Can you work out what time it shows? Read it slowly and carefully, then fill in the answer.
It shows 8:23
